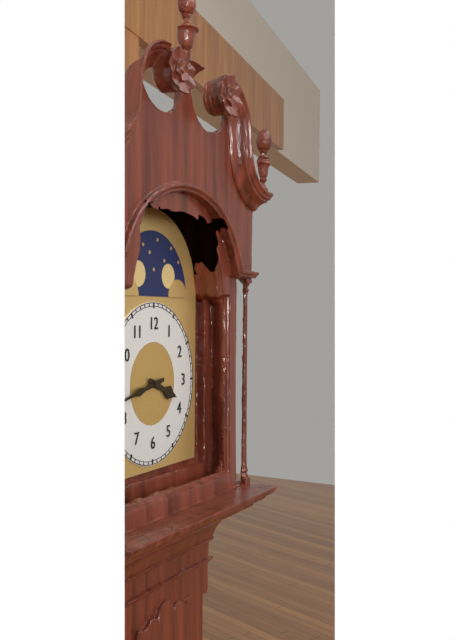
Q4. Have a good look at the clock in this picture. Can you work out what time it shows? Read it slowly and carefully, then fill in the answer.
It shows 3:43
